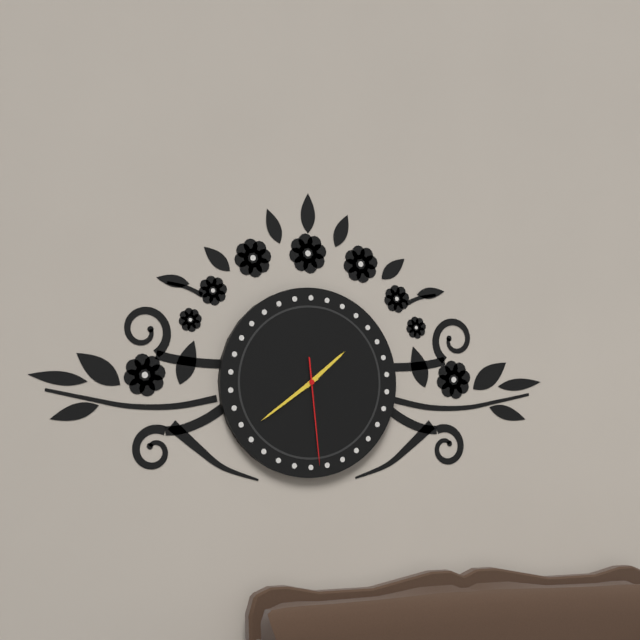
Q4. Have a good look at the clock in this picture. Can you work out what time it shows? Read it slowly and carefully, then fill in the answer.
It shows 1:39:29
